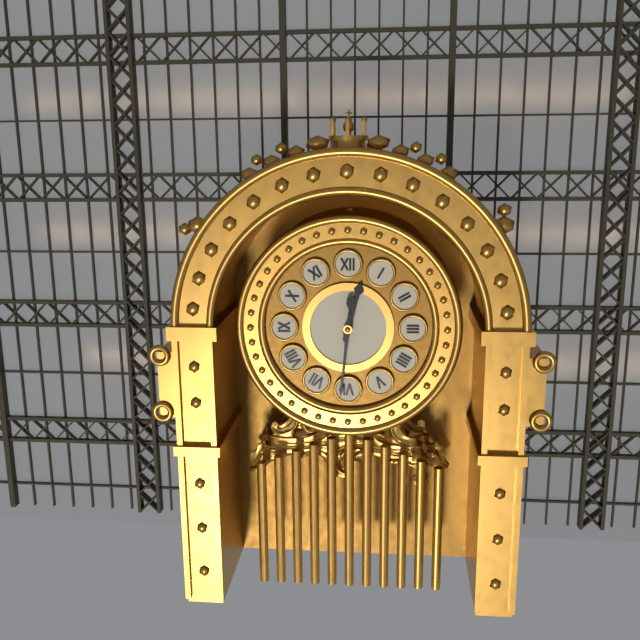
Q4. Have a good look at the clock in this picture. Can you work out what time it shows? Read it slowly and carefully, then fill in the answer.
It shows 12:31
